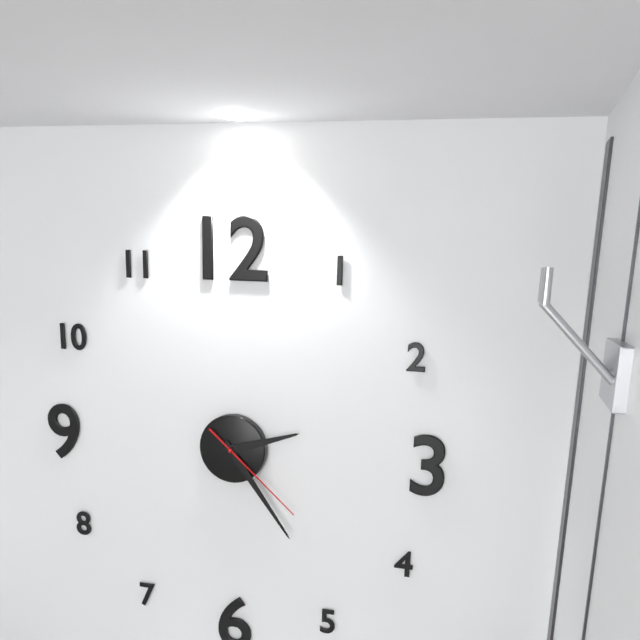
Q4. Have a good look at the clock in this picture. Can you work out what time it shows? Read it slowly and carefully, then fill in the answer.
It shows 2:24:22
